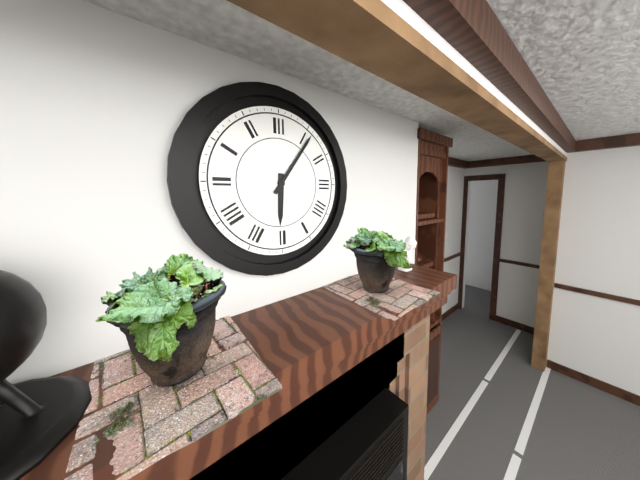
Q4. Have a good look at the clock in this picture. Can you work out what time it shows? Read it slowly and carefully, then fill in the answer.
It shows 6:06
